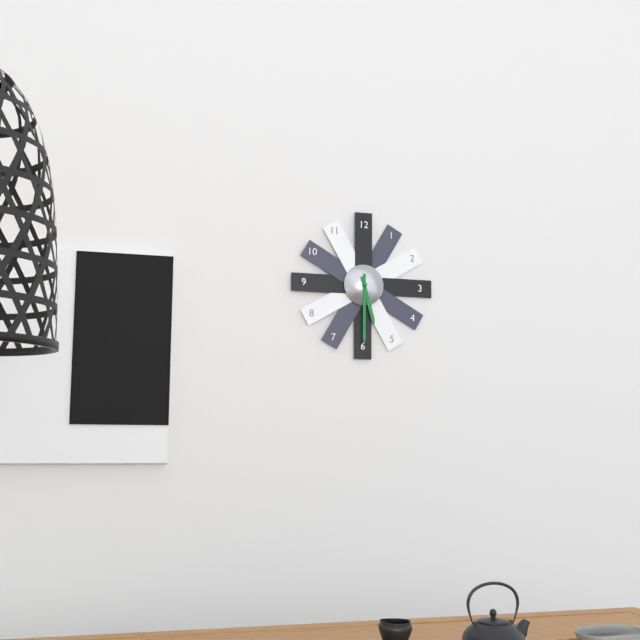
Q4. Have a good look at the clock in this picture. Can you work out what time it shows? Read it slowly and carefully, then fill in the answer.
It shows 5:30
